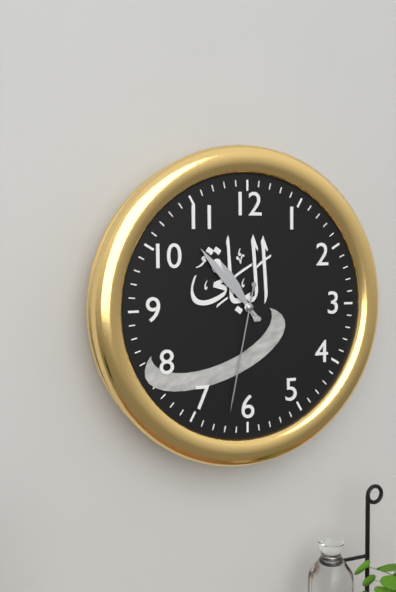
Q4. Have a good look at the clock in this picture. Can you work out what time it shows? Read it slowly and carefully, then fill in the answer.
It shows 10:53:32
